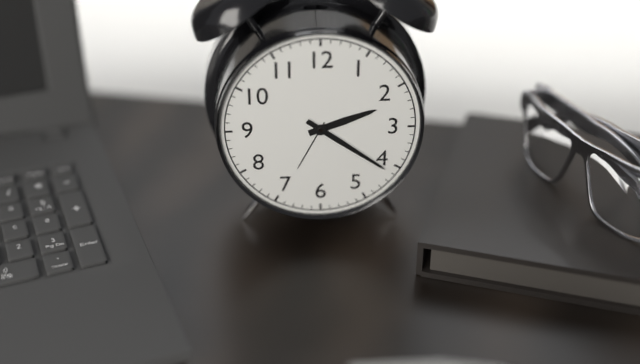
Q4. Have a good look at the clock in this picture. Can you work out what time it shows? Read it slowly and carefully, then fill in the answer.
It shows 2:21
